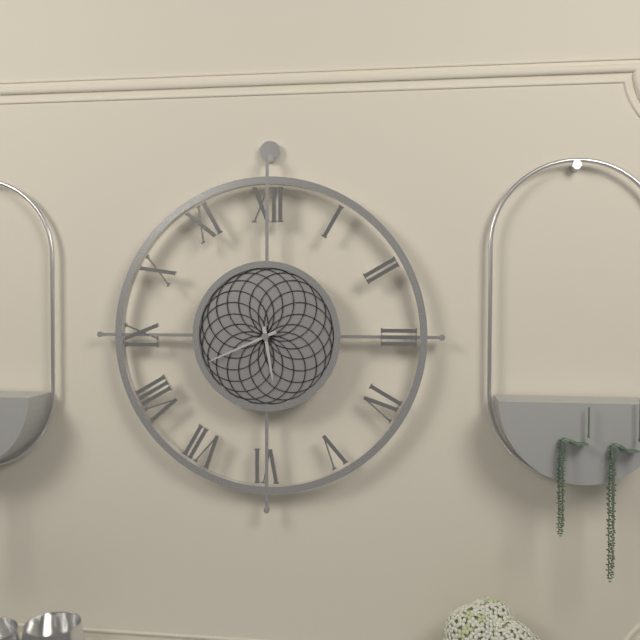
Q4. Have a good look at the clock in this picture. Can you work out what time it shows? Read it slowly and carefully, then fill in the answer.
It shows 5:41
